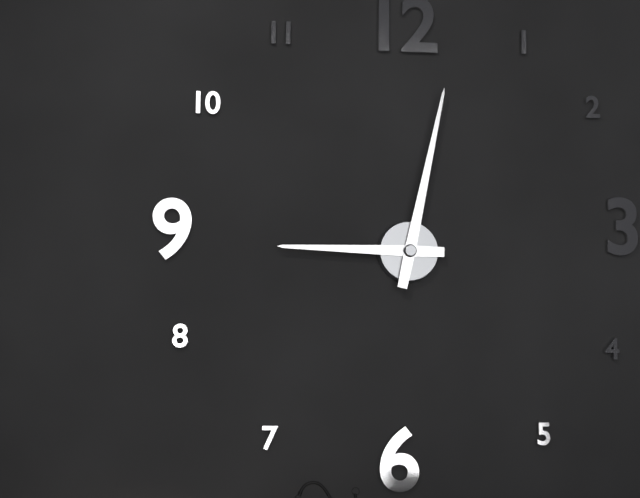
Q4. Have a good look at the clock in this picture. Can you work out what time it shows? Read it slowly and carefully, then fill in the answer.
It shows 9:02
